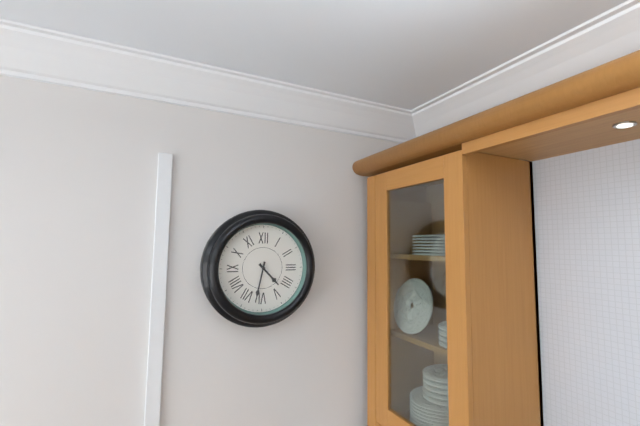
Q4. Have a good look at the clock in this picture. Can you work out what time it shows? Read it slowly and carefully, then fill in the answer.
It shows 4:32
